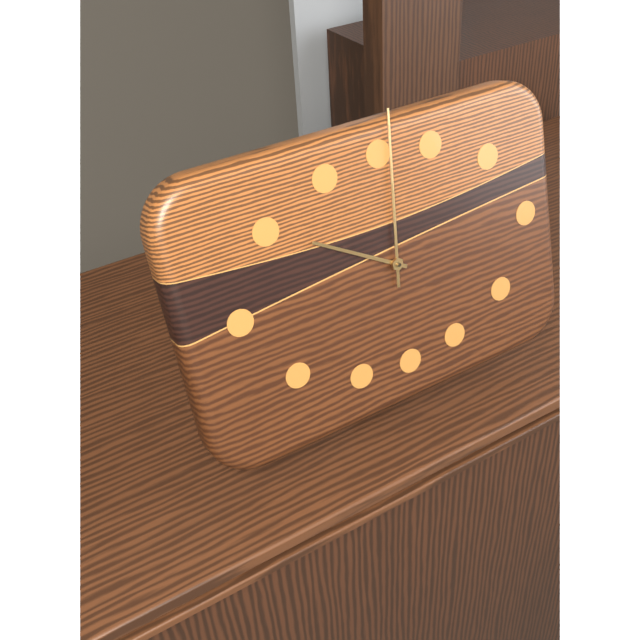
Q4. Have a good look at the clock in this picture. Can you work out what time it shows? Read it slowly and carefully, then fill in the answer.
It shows 10:01
